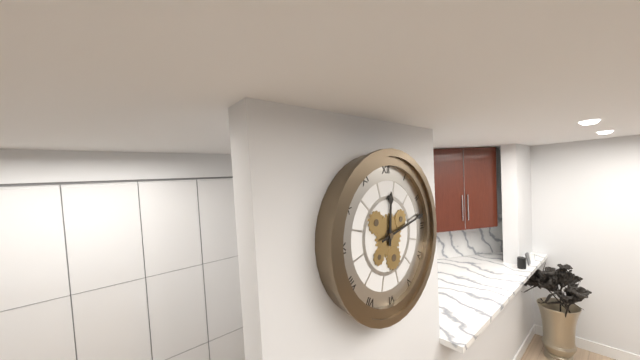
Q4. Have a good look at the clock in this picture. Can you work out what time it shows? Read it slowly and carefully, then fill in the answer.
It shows 12:13
